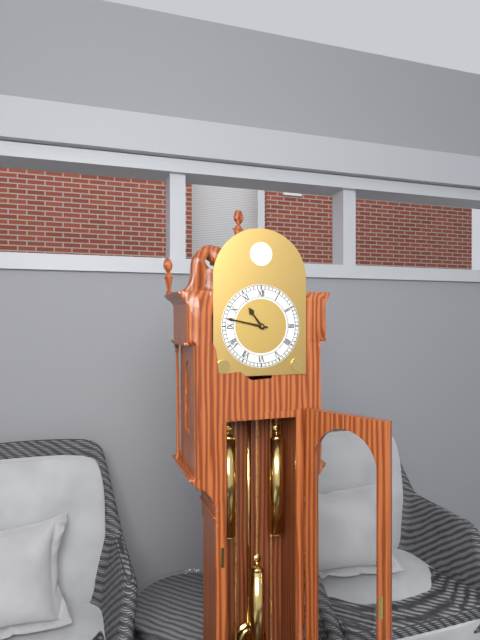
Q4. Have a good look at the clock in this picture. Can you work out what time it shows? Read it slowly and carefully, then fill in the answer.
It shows 10:47
